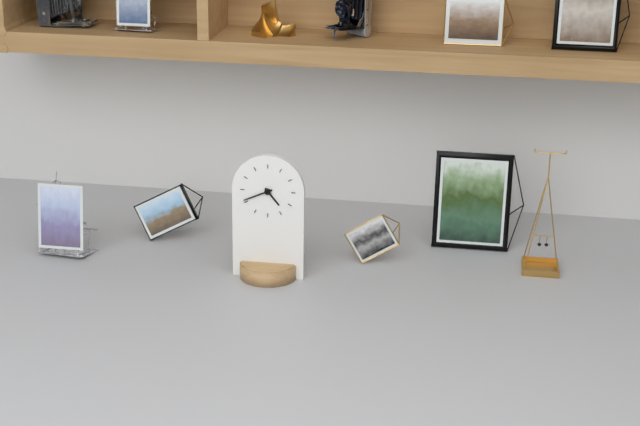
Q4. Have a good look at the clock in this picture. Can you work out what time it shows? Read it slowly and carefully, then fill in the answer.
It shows 4:41
